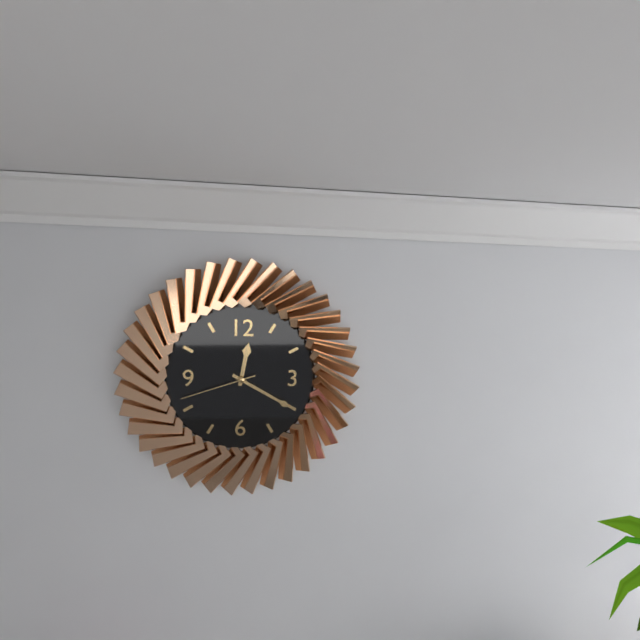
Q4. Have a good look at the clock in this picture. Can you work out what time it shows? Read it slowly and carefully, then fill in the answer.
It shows 12:20:42
